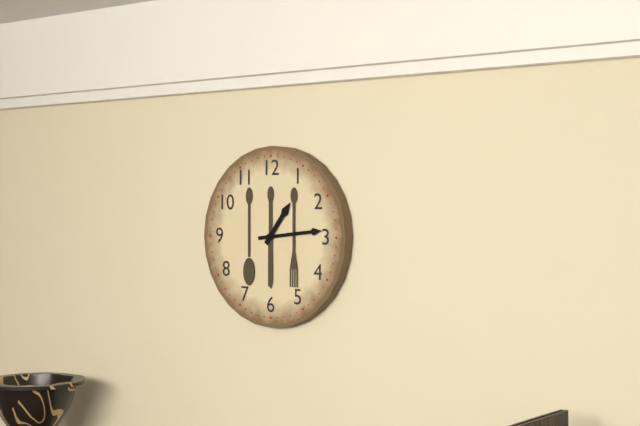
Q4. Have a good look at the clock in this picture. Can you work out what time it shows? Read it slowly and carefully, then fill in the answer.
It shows 1:14
